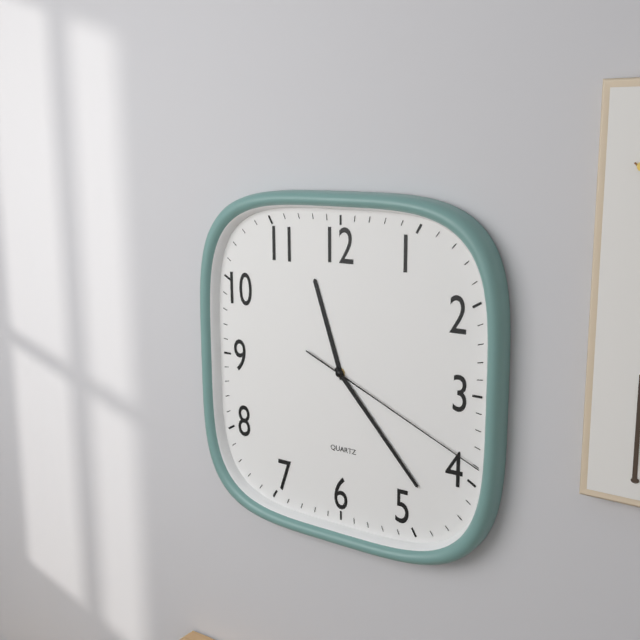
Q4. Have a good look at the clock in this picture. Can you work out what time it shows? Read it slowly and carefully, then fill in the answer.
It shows 11:23:19
